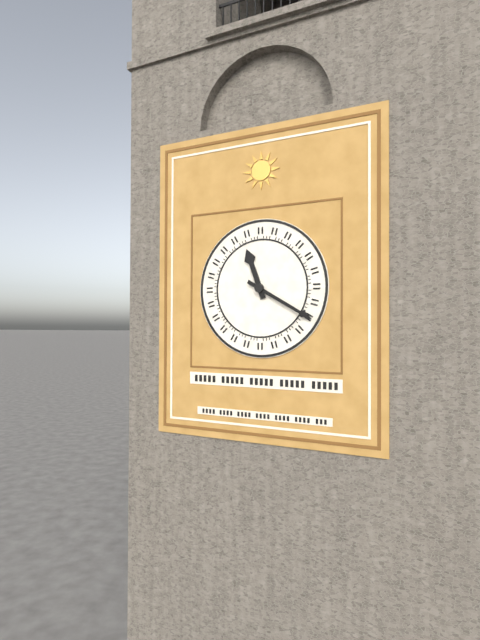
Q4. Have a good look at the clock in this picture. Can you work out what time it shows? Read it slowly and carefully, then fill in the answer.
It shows 11:20
